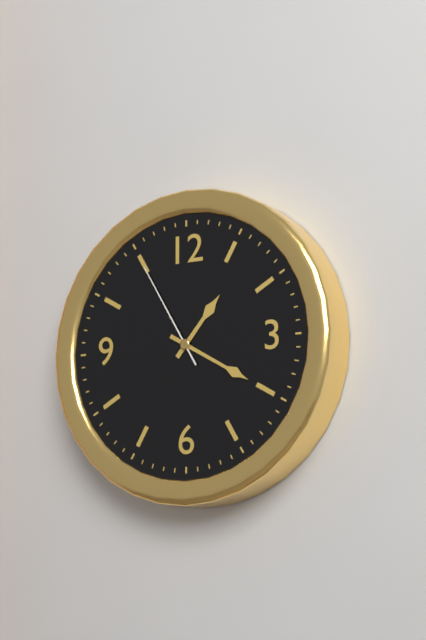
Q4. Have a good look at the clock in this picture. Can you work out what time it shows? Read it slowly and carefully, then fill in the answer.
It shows 1:20:55
